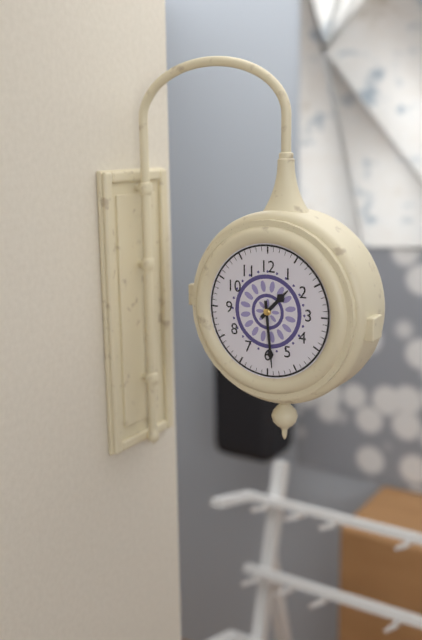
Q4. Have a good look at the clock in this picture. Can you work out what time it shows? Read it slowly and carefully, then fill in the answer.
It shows 1:29
